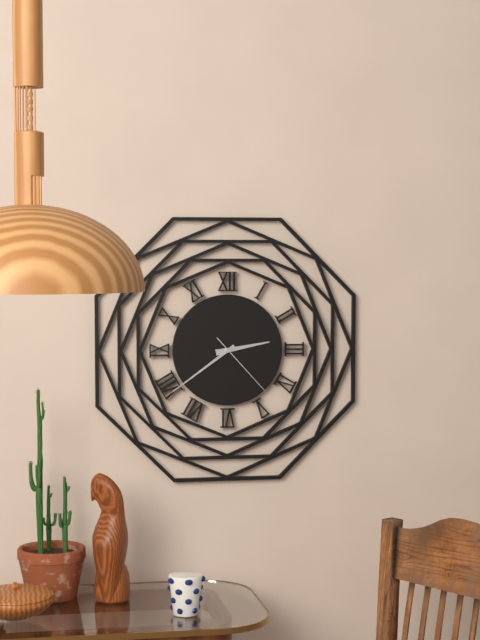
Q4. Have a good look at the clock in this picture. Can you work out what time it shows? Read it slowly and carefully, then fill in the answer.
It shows 2:39:23
